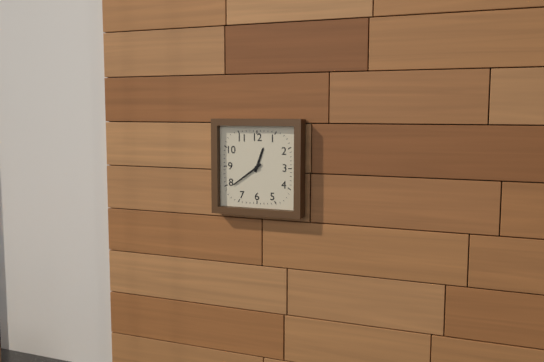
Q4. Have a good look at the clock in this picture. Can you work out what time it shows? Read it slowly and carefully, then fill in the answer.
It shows 12:39
